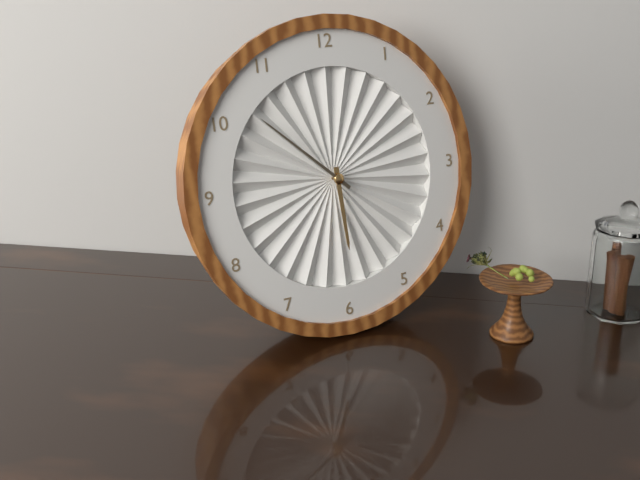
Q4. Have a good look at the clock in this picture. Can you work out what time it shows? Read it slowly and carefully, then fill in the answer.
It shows 5:52
